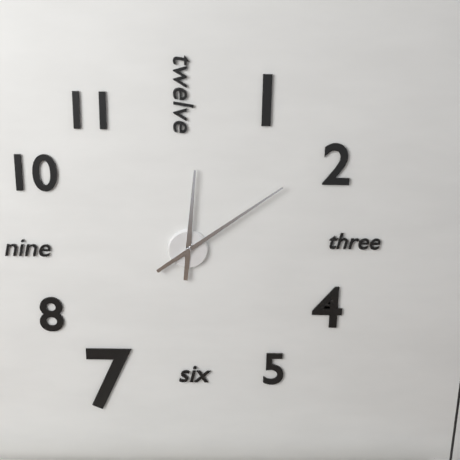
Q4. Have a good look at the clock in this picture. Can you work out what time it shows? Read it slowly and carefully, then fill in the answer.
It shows 12:09
